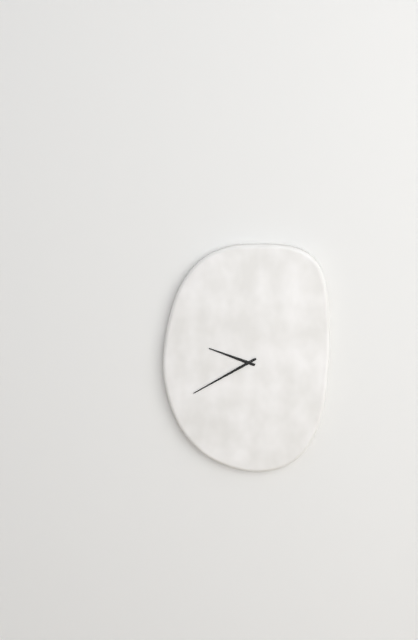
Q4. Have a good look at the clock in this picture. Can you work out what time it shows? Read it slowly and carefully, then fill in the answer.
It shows 9:40
